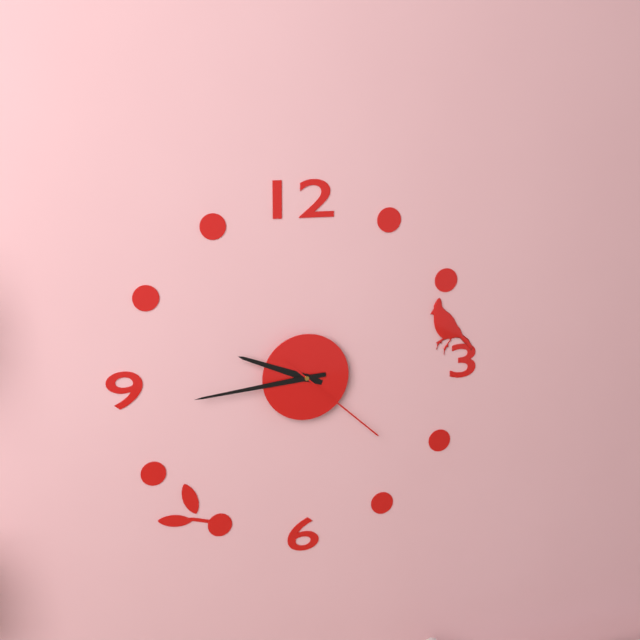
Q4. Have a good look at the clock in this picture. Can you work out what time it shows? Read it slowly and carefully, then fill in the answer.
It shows 9:44:22
